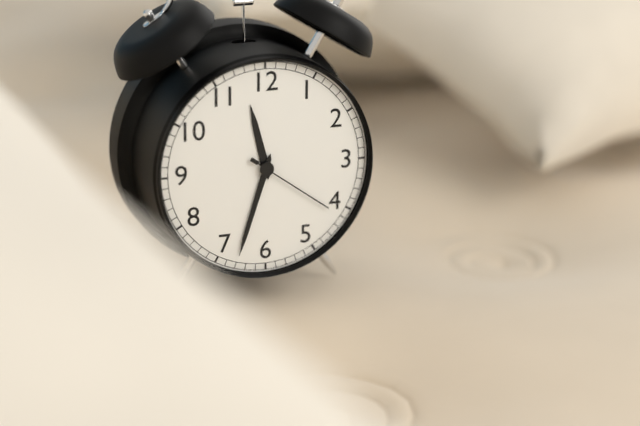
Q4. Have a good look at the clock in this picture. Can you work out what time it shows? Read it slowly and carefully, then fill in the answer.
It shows 11:33:21
